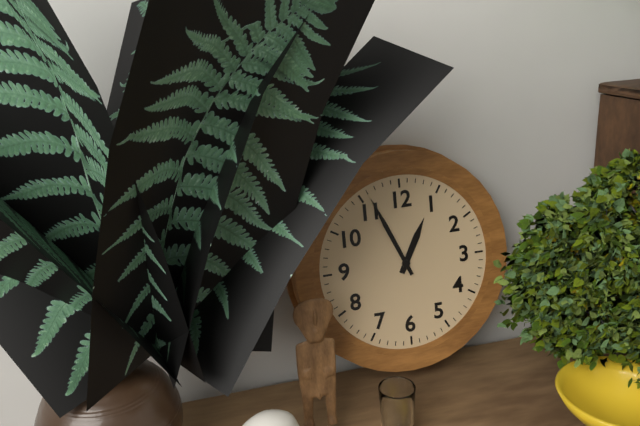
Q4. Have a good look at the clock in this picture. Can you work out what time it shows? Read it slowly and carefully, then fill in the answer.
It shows 12:56
